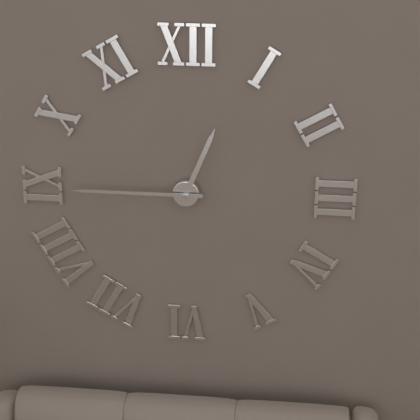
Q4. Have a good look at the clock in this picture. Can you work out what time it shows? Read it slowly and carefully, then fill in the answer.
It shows 12:45
